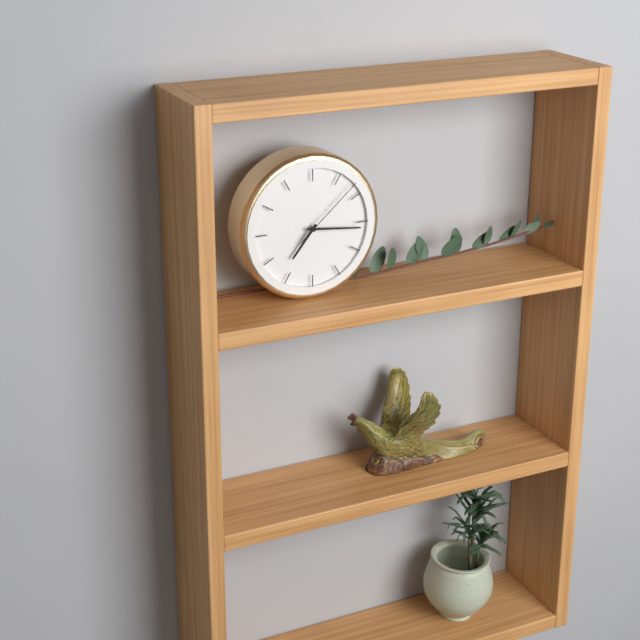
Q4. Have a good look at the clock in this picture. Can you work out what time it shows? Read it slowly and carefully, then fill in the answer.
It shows 7:16:08
